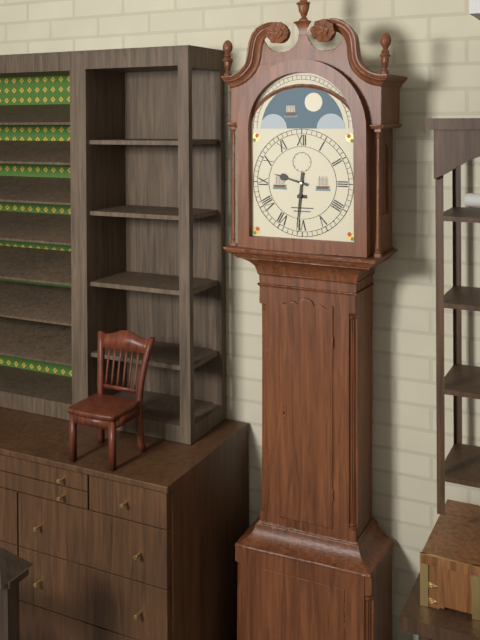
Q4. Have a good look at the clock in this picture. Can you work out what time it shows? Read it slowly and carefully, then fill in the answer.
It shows 9:31
